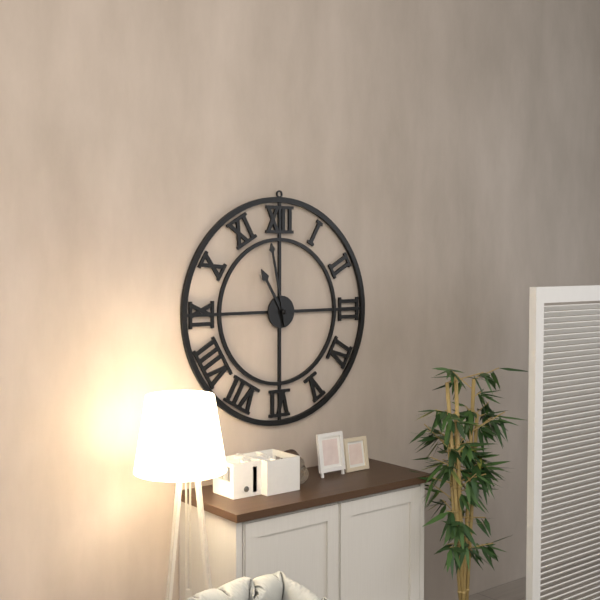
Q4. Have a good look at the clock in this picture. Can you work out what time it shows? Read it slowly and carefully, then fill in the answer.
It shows 10:58
